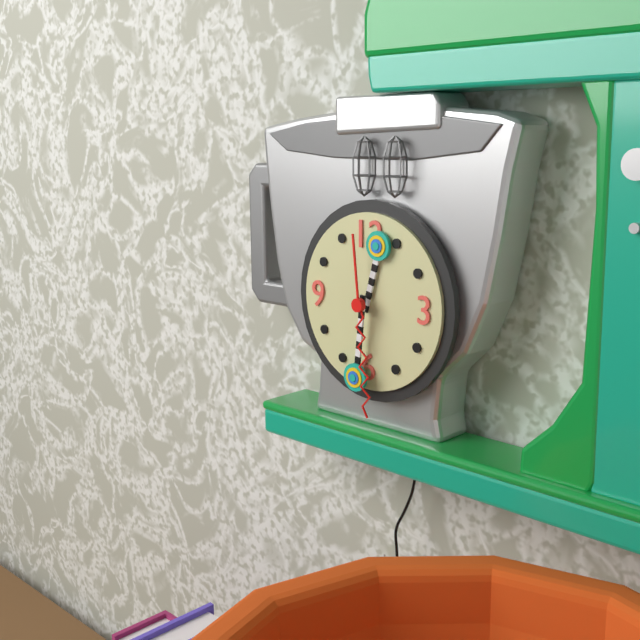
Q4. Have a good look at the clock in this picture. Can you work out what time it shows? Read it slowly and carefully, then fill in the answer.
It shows 12:31:29
